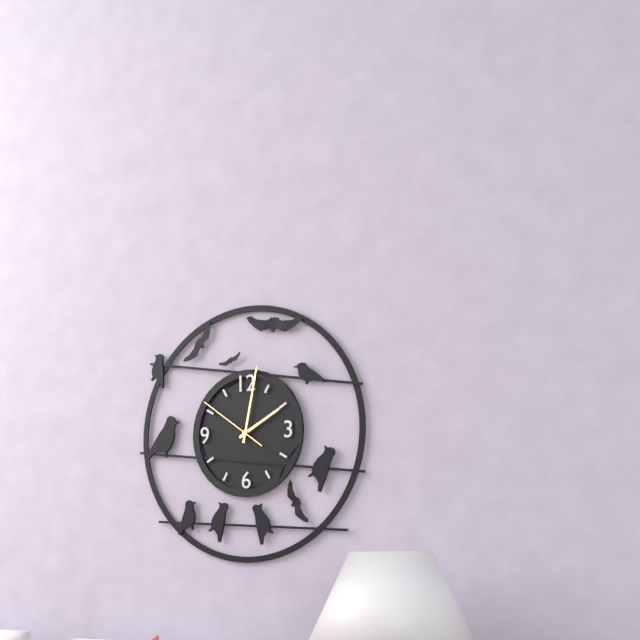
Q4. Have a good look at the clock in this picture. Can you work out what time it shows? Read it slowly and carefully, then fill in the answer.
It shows 2:02:51
